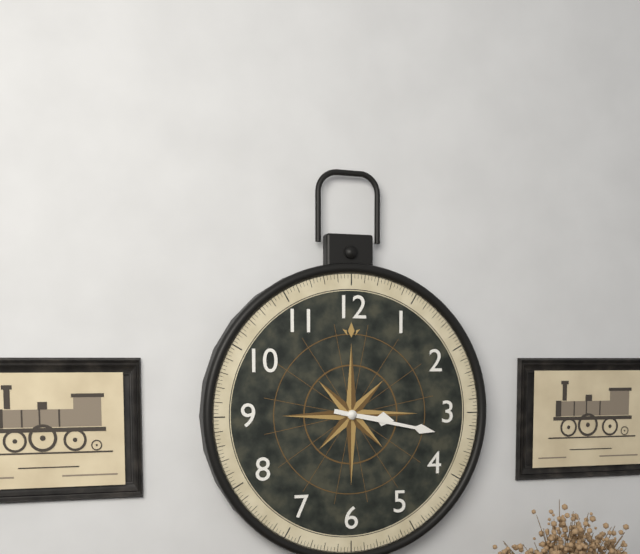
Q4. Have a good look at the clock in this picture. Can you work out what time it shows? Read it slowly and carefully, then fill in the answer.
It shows 3:17
